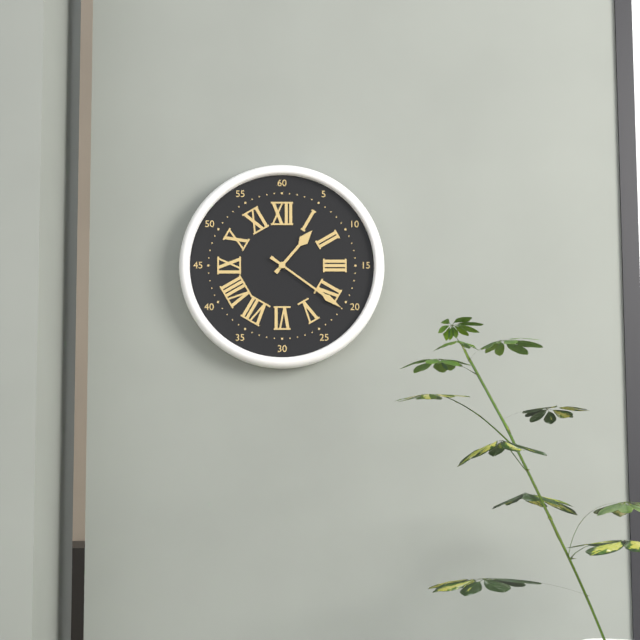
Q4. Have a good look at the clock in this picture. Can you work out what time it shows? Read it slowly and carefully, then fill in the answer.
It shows 1:21
